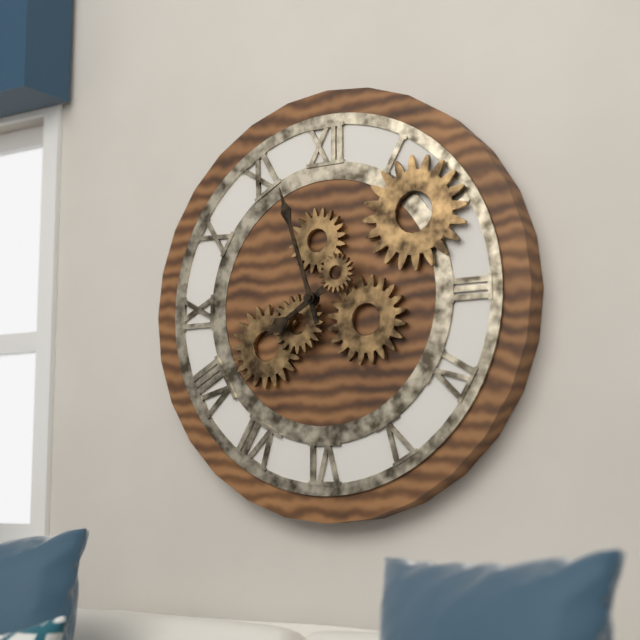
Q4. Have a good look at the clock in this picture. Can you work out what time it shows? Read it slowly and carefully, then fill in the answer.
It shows 7:57
